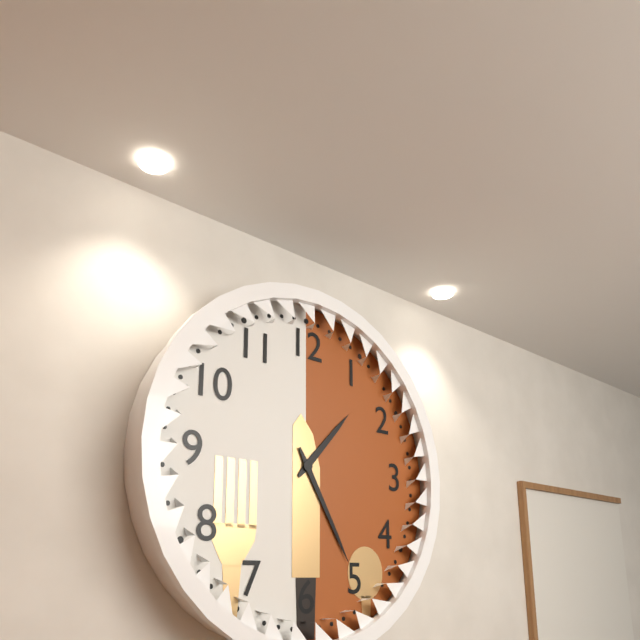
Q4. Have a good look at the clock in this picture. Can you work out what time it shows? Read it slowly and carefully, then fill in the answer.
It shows 1:25
